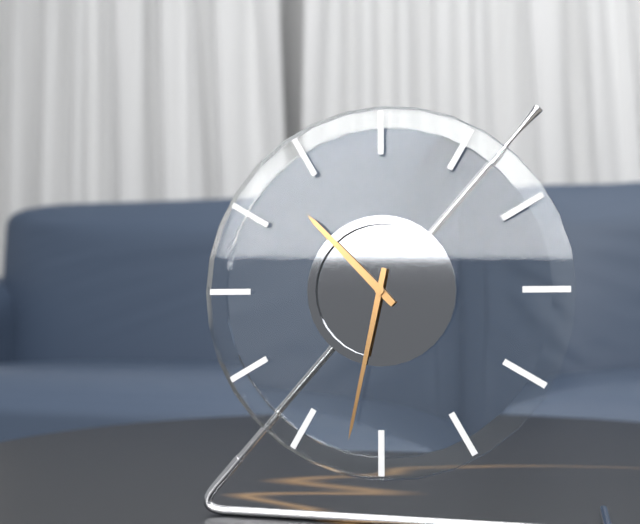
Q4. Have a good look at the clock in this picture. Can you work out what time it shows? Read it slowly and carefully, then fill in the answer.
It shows 10:32
